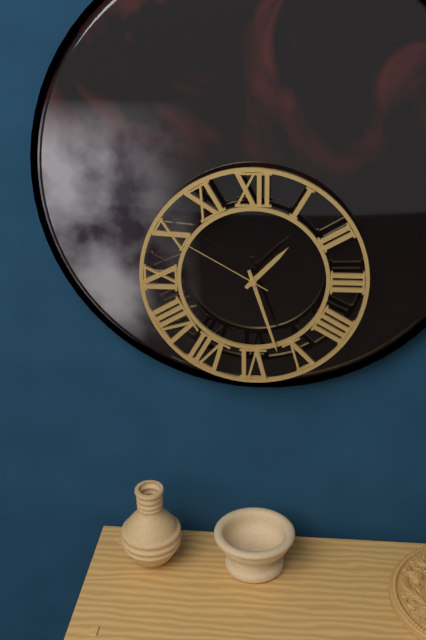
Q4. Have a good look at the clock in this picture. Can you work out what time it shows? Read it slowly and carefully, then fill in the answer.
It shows 1:27:50
